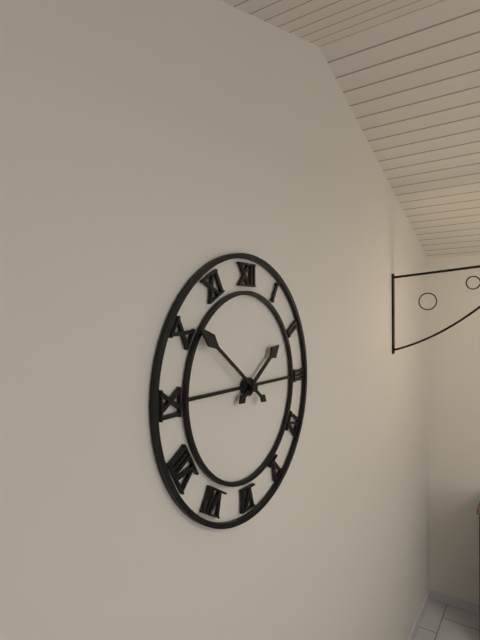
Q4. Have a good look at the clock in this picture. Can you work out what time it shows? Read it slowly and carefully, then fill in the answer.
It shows 1:51
